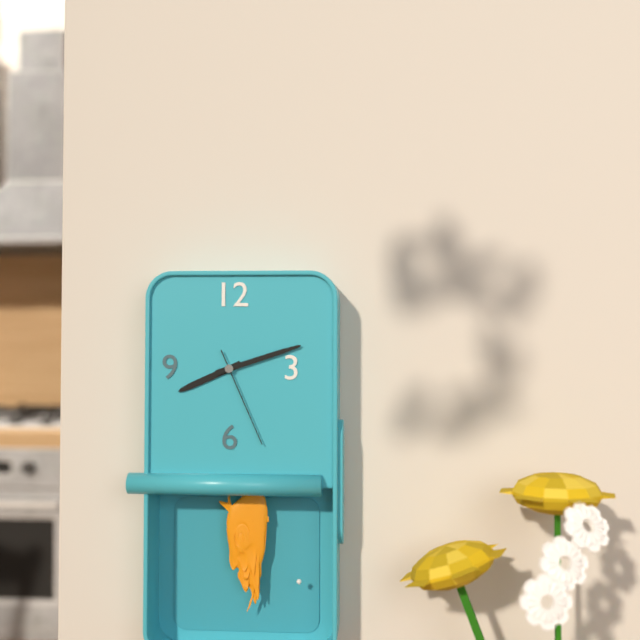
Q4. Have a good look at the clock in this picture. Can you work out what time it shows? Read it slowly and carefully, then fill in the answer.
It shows 8:12:26
